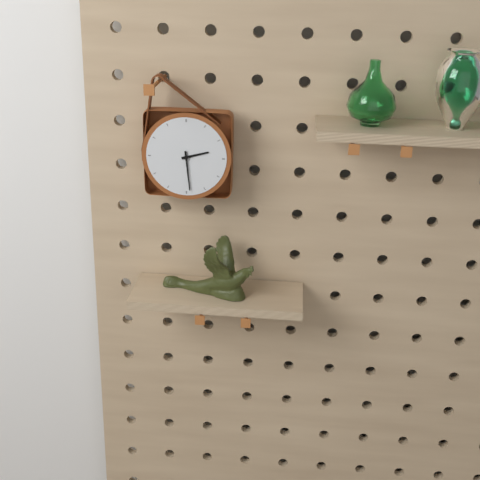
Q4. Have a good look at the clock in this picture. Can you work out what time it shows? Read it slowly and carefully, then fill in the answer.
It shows 2:29
